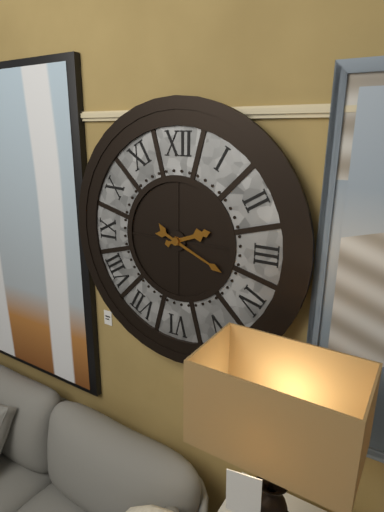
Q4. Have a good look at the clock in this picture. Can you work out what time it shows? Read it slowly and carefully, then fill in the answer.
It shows 2:19
